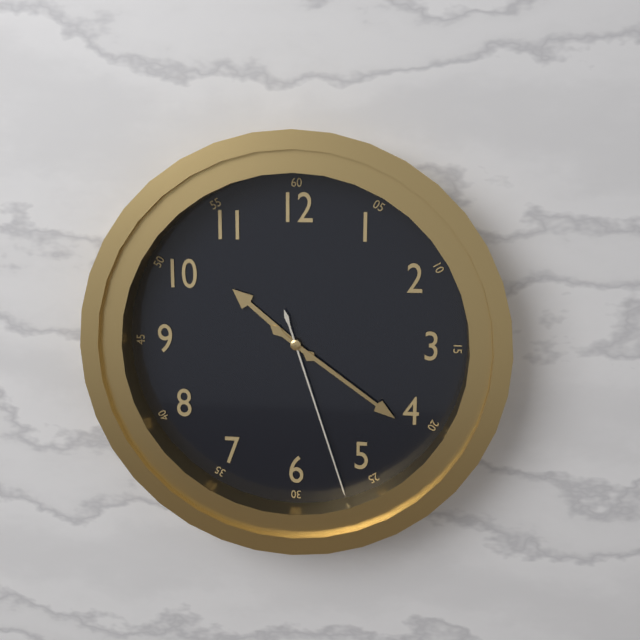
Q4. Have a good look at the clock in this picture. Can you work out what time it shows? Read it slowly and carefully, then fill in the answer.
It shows 10:21:27
